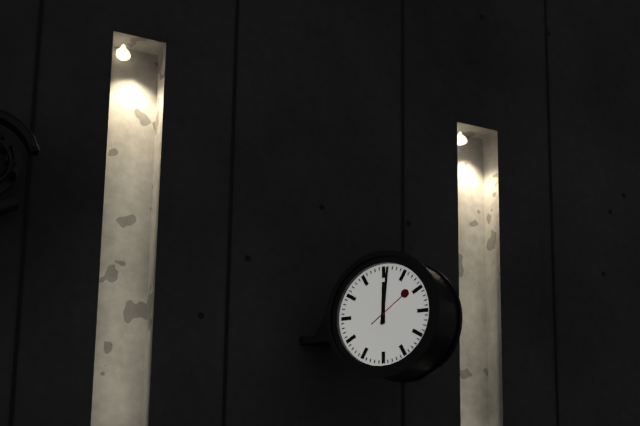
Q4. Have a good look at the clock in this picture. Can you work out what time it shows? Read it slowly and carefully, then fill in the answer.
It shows 12:01
